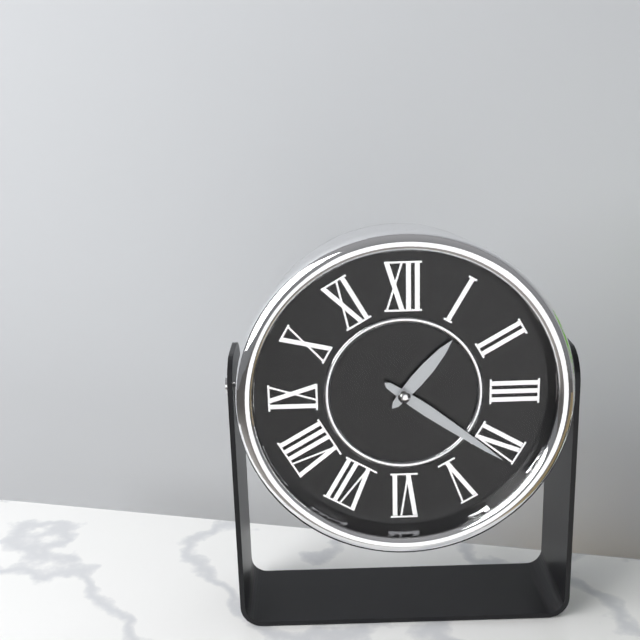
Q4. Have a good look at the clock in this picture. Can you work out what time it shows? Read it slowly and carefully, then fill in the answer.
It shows 1:21
